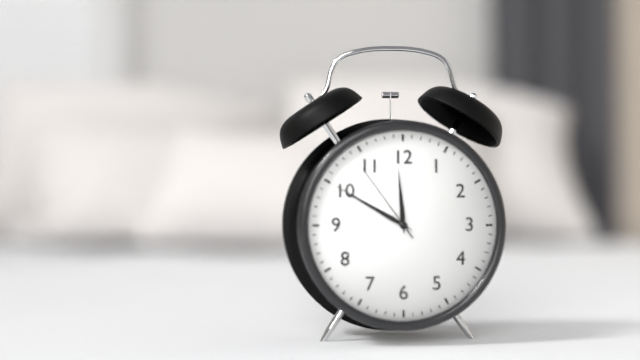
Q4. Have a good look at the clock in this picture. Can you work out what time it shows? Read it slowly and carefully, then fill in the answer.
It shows 11:50:54
